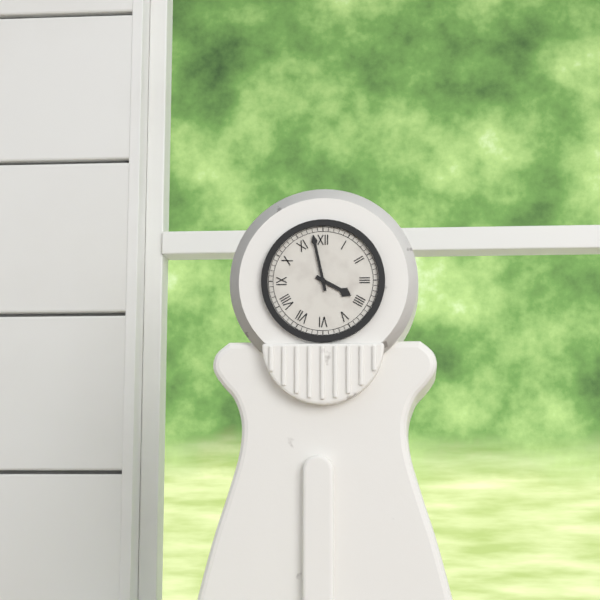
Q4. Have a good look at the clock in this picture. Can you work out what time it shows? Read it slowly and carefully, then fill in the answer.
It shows 3:58
